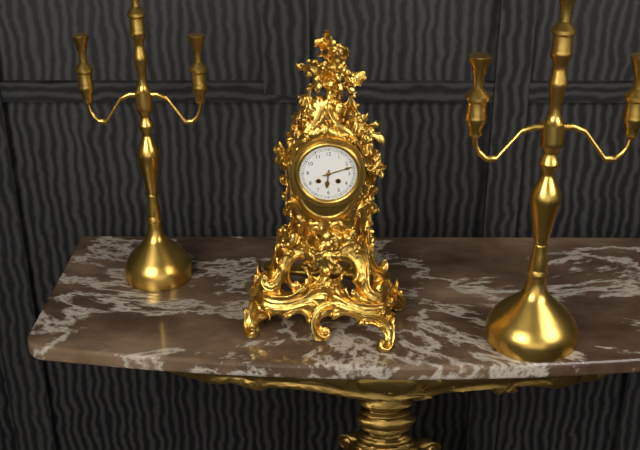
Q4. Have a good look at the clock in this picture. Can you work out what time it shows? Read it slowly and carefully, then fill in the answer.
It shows 6:12
